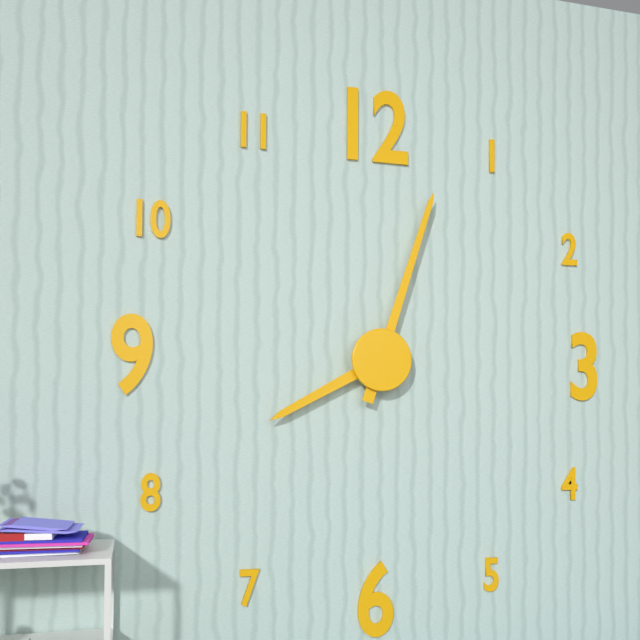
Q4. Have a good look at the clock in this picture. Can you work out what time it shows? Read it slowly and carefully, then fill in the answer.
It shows 8:03
